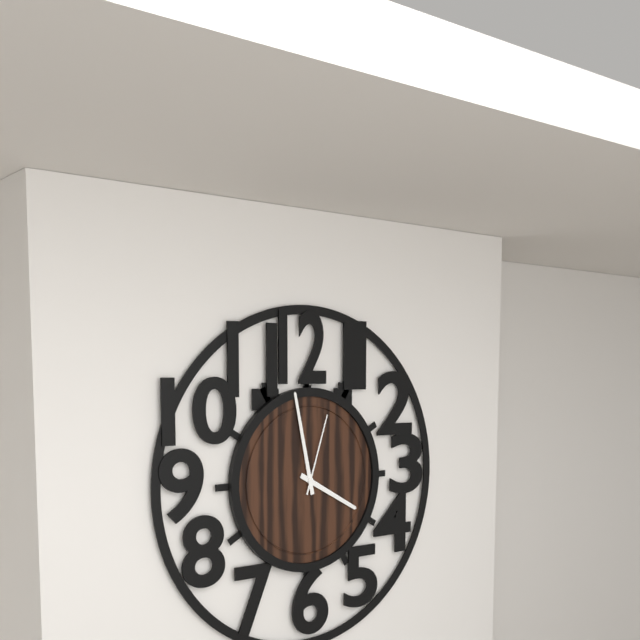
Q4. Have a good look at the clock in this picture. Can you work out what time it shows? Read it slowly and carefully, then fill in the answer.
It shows 3:58:03
